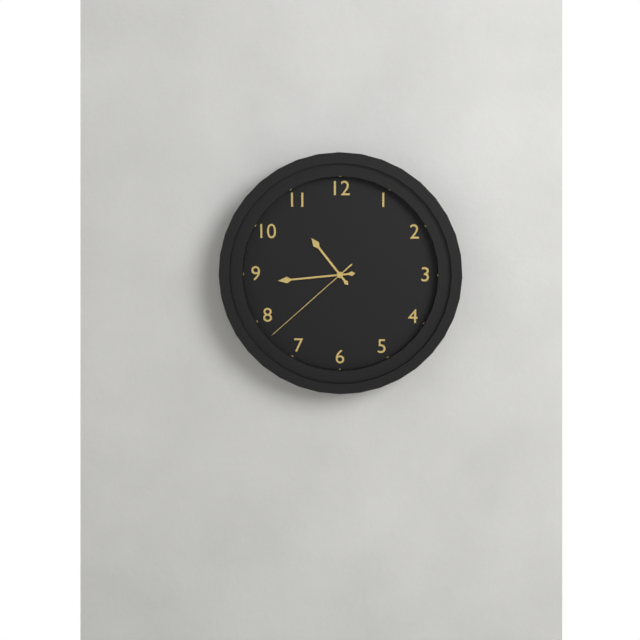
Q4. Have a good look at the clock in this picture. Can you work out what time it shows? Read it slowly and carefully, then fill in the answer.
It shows 10:44:38
